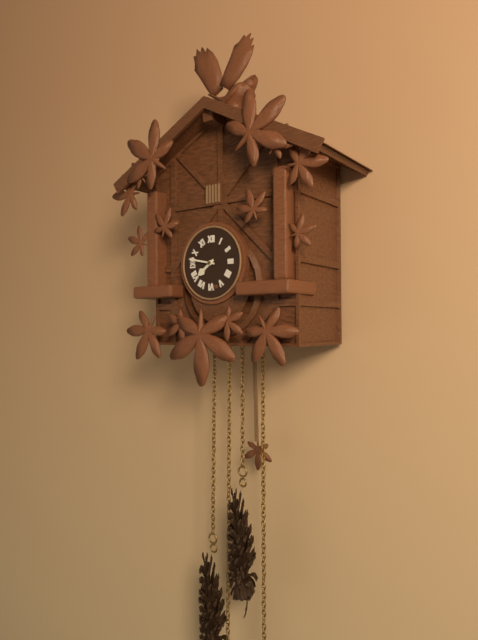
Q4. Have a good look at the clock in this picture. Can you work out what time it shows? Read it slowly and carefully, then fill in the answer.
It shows 7:47
